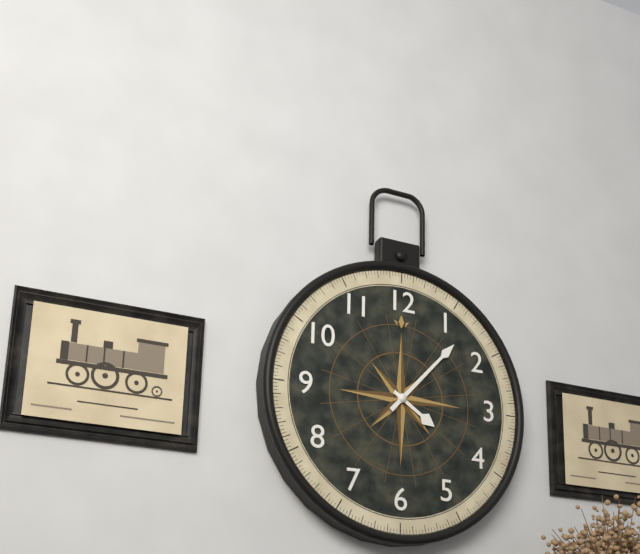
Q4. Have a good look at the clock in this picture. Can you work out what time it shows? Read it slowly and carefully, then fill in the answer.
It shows 4:07
